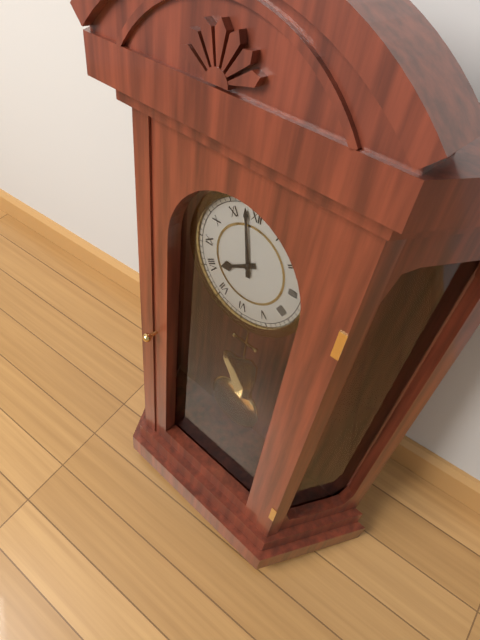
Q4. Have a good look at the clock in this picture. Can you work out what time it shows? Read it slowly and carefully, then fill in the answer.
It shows 7:58
